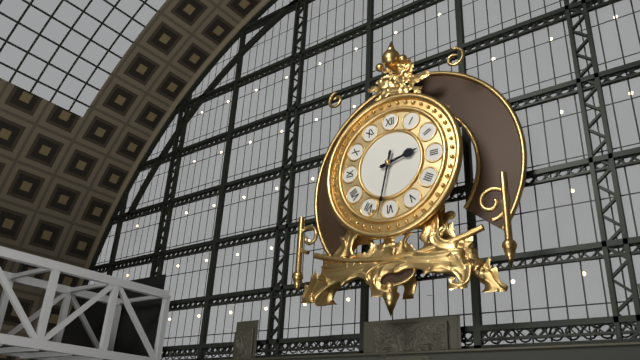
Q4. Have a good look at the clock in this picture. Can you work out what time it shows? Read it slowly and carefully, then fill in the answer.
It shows 2:32
